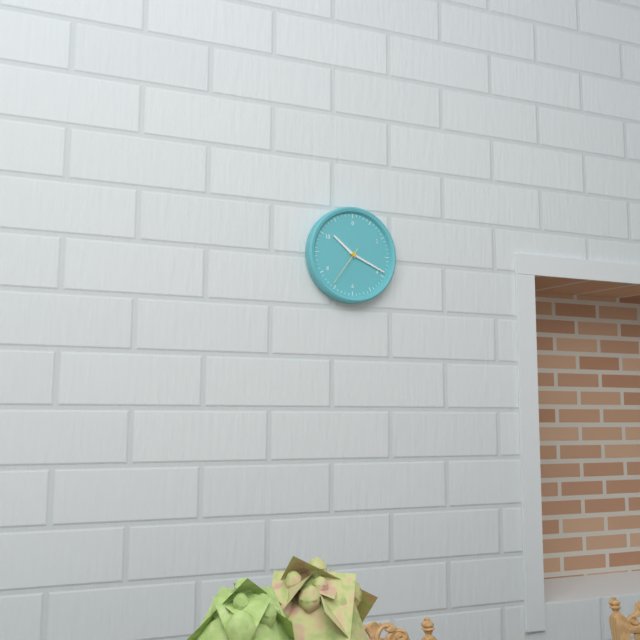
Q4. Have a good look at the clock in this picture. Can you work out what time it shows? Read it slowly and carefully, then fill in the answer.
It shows 10:19
